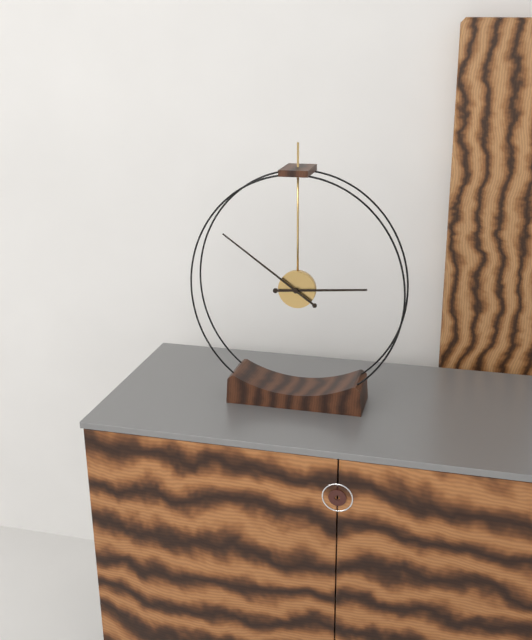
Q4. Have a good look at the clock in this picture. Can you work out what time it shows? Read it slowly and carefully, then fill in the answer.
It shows 2:51
